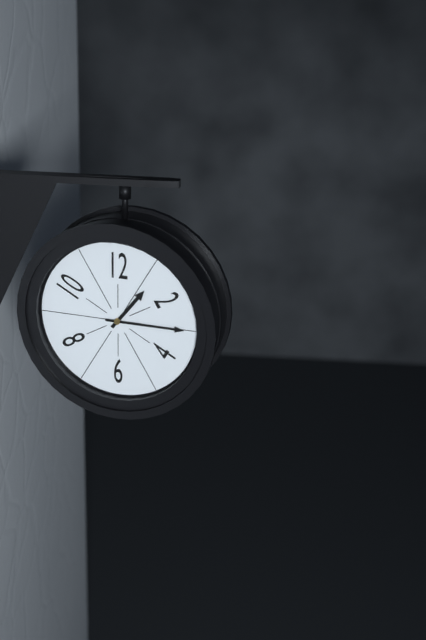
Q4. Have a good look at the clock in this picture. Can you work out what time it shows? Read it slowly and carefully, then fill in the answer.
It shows 1:15
